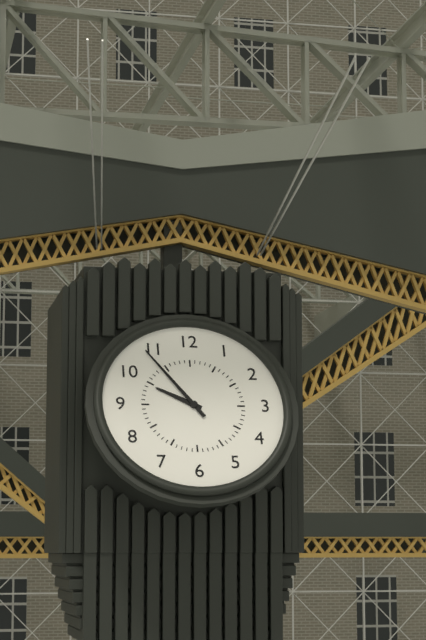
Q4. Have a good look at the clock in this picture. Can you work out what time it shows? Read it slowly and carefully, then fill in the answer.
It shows 9:54
